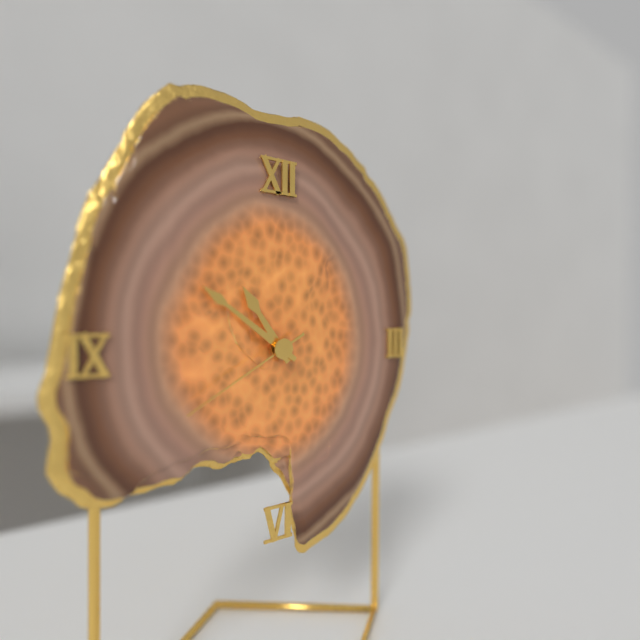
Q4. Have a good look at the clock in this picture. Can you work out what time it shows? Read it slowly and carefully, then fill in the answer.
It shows 10:51:40
